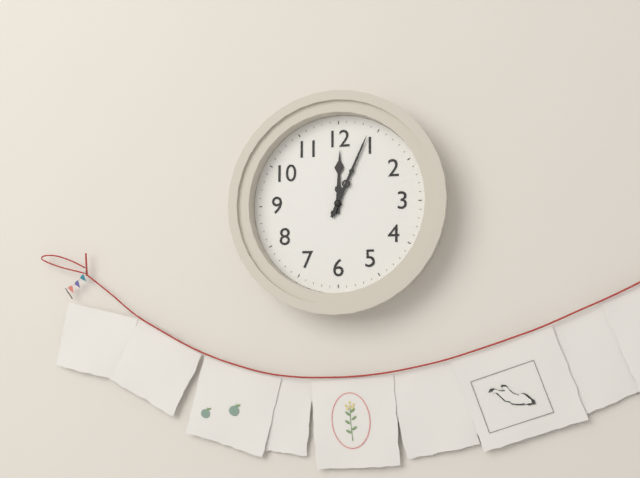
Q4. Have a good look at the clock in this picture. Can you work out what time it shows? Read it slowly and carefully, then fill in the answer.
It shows 12:04
